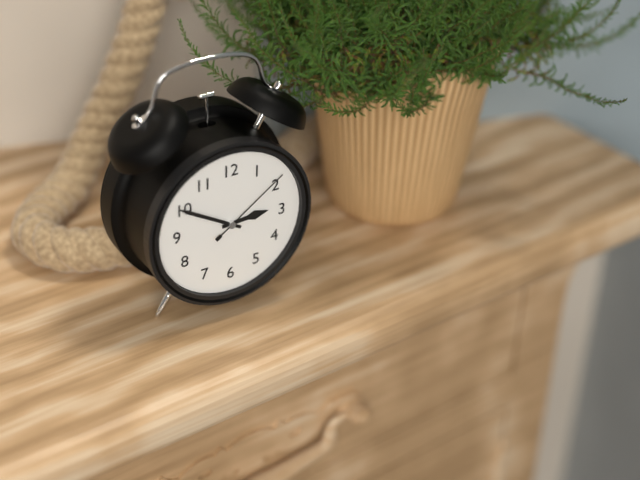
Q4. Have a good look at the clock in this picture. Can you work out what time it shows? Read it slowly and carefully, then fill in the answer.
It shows 2:50:09
